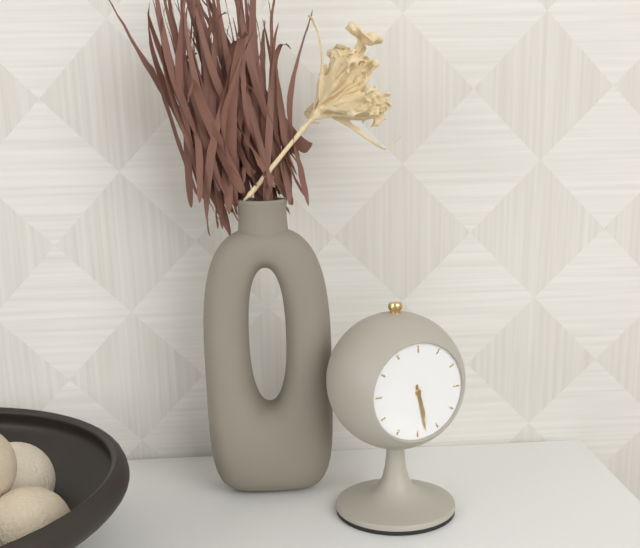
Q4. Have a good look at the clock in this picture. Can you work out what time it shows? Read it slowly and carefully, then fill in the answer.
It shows 5:28
